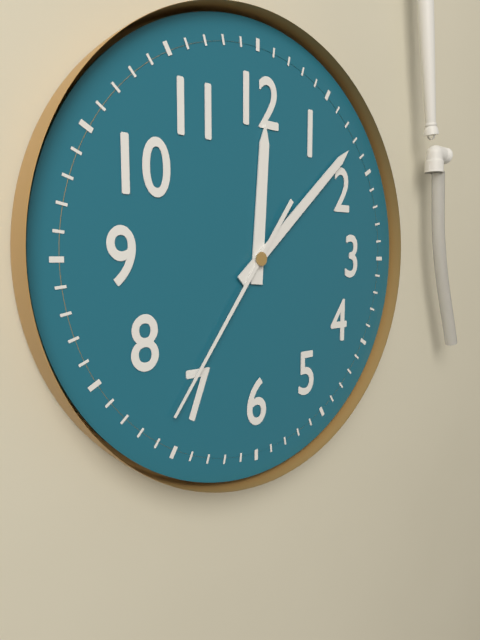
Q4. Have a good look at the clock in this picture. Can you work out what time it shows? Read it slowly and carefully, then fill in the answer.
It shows 12:08:36
